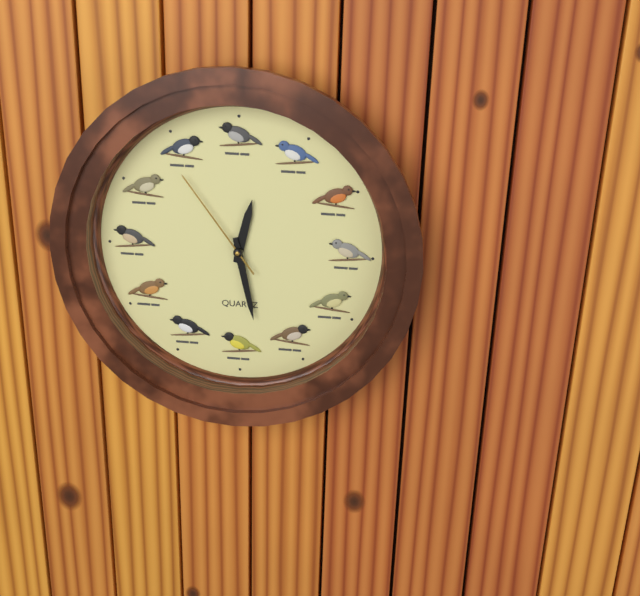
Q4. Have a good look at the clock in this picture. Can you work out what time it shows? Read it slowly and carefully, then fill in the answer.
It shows 12:28:54
